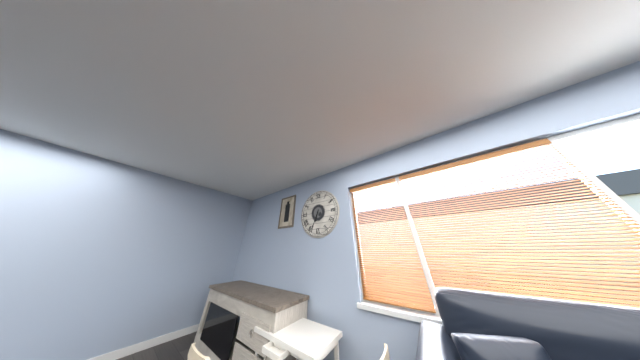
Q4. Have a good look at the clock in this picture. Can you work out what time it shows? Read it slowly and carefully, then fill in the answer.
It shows 6:34
